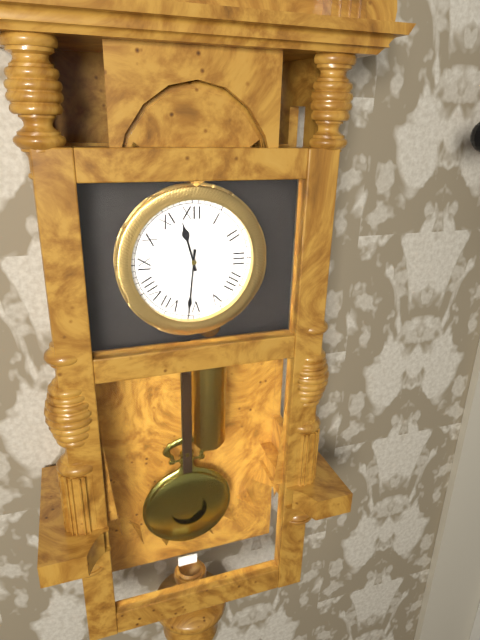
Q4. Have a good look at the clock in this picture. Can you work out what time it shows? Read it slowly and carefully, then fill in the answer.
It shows 11:31
